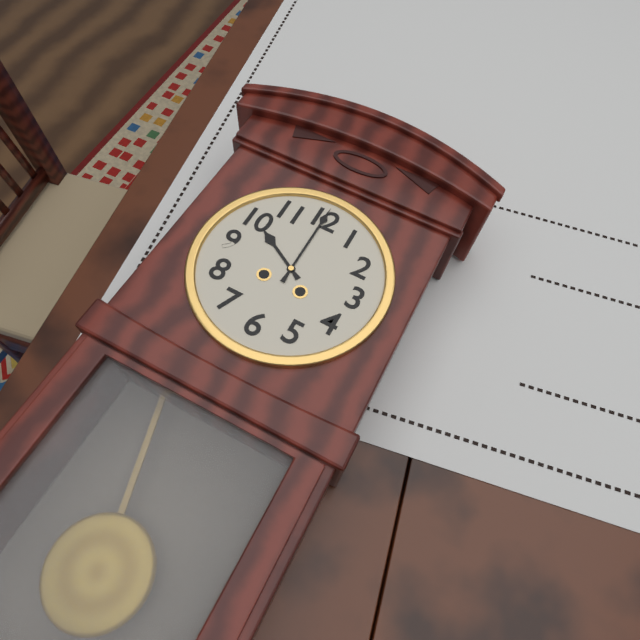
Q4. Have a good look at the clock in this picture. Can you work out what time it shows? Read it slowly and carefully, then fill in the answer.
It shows 10:00
